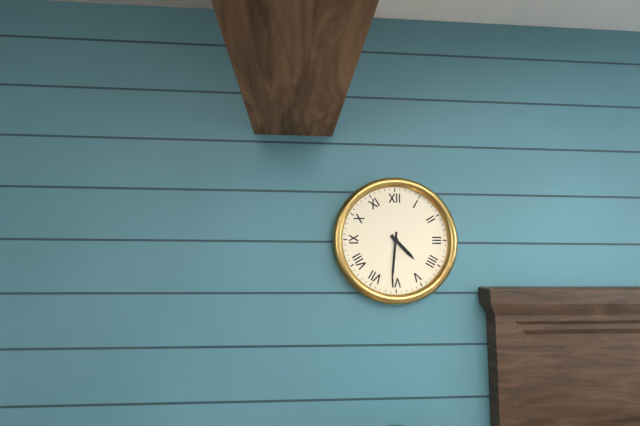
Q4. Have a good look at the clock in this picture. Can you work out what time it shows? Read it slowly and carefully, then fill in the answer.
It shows 4:31
